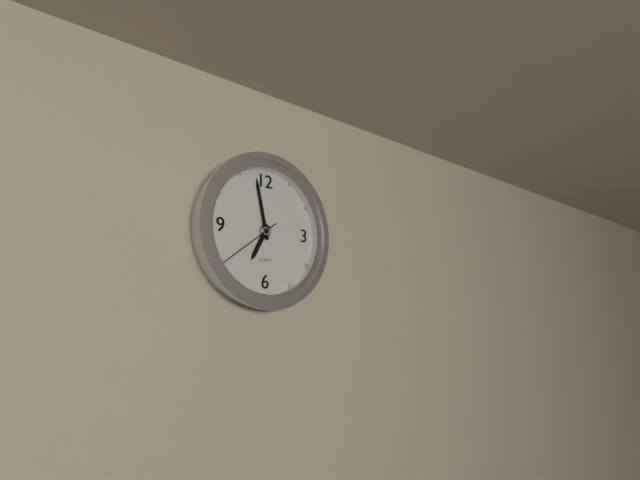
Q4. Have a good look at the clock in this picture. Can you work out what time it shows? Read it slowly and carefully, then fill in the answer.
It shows 6:58:39
